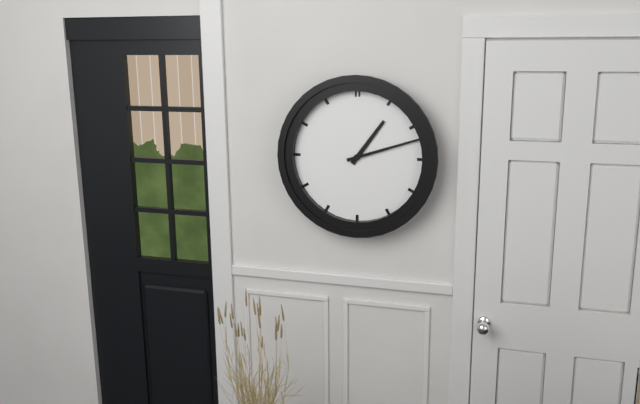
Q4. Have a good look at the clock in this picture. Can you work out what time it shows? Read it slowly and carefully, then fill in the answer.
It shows 1:12
